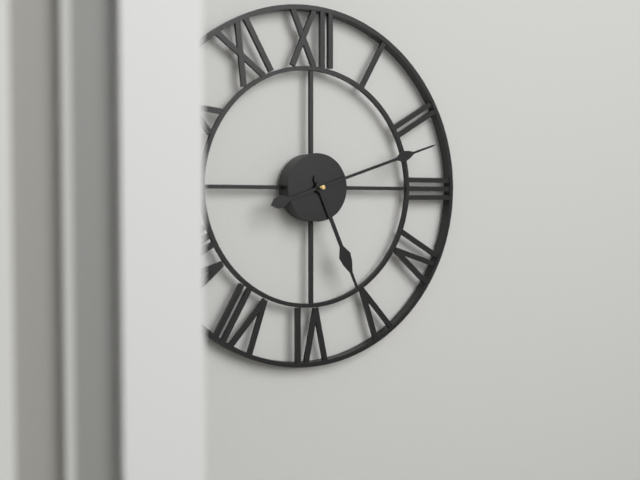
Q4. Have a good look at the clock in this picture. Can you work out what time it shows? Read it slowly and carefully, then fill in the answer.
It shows 5:12
